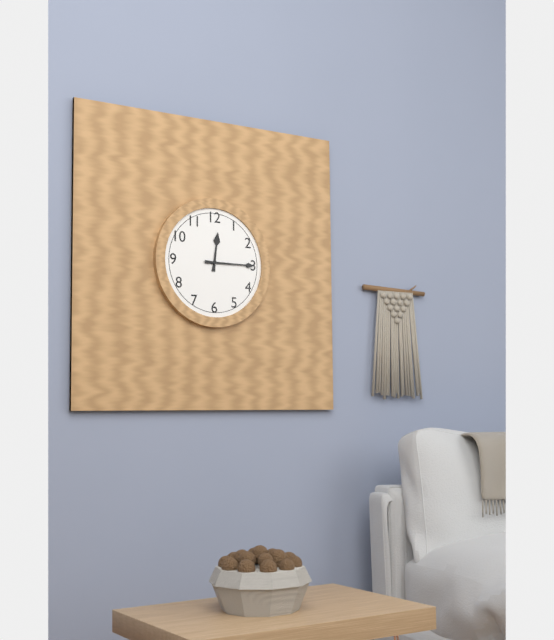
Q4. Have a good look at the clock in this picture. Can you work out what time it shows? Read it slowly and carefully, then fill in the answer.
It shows 12:15
